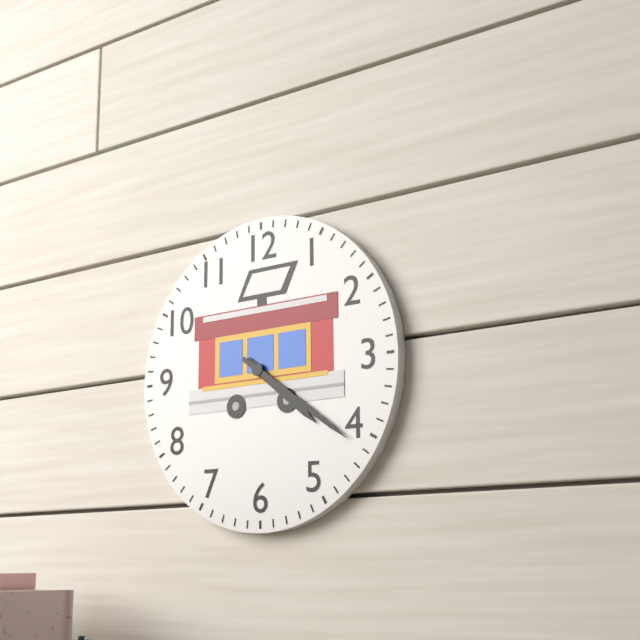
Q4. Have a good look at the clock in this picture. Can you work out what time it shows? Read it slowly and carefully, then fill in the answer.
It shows 4:21
